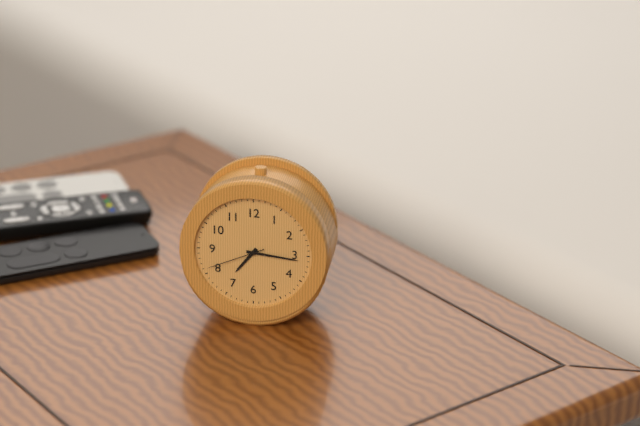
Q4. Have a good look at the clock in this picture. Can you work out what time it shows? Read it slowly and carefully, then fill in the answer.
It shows 7:16:41
